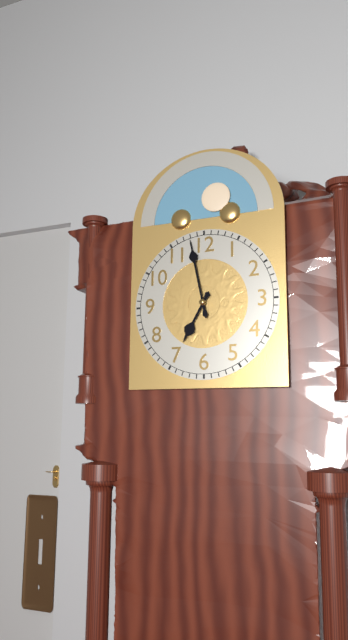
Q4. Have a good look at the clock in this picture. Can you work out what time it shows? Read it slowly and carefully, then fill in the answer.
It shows 6:58
